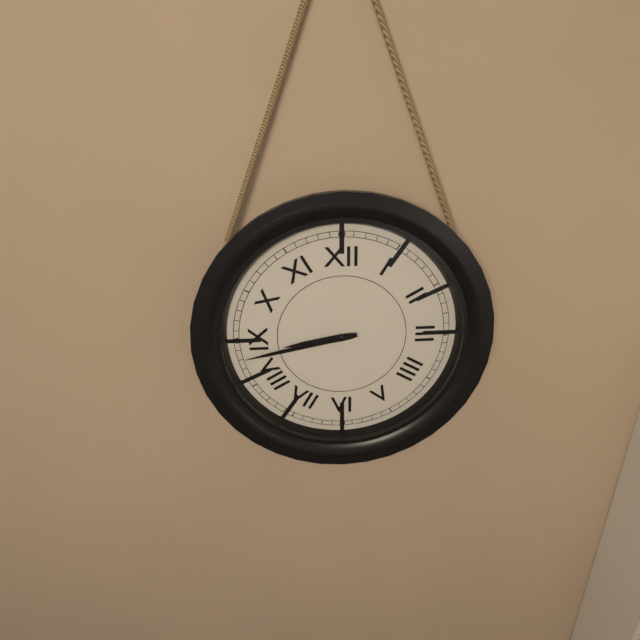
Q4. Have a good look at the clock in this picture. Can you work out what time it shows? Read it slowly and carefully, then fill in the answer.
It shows 8:43
